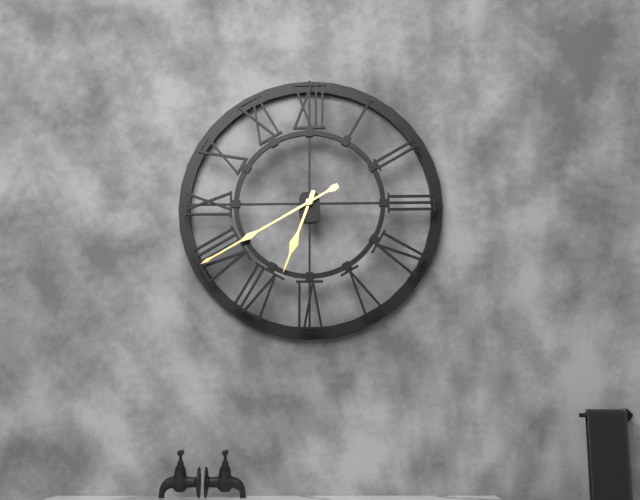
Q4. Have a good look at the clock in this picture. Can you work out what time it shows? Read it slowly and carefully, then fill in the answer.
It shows 6:40
